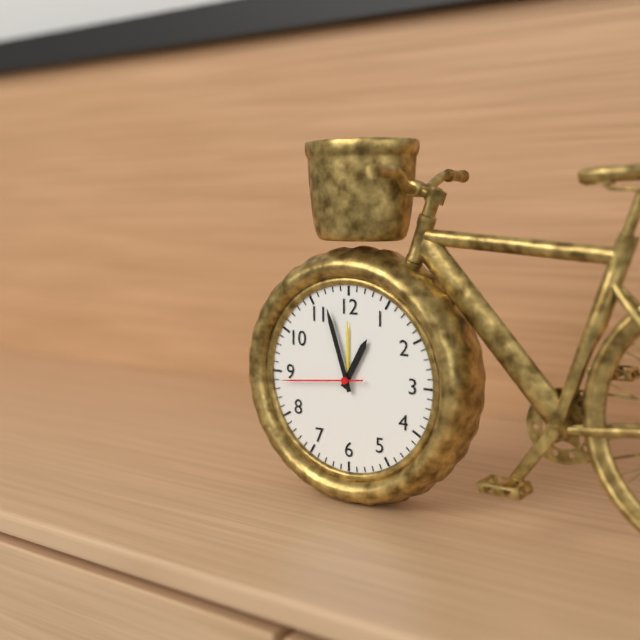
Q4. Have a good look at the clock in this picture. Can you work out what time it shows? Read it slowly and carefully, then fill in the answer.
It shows 12:57:44
